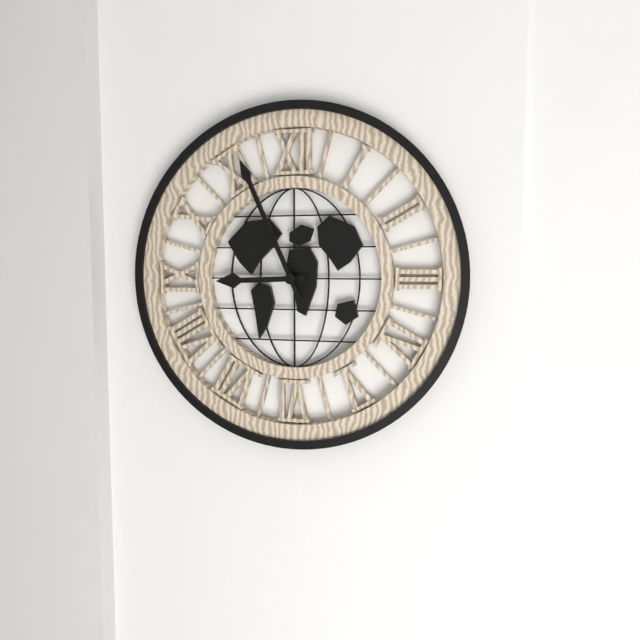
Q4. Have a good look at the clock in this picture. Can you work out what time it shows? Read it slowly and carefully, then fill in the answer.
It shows 8:56
